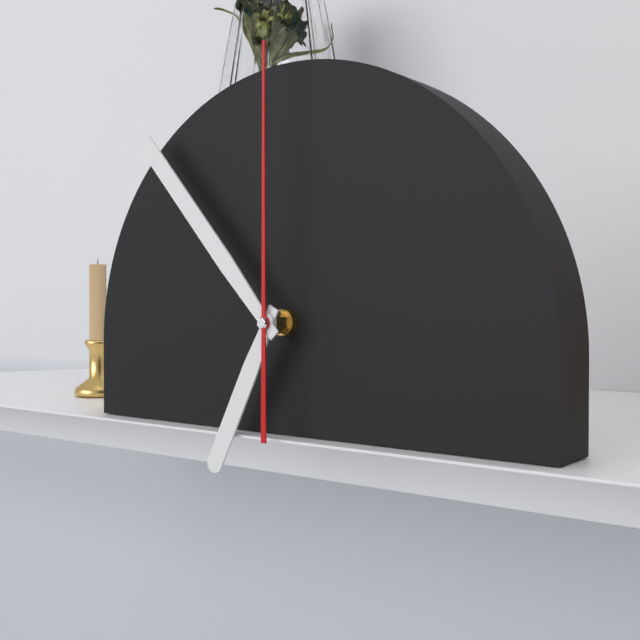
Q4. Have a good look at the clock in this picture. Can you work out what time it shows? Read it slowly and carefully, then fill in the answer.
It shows 6:53:00
